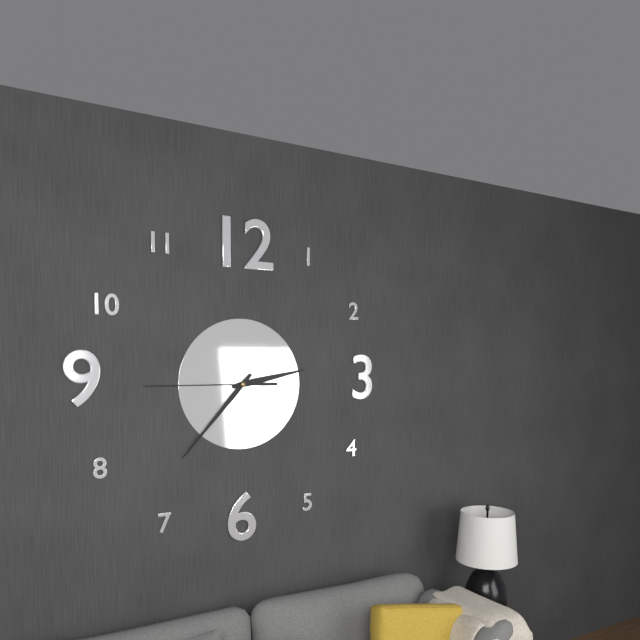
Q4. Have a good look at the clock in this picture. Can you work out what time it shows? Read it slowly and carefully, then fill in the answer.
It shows 2:37:45
